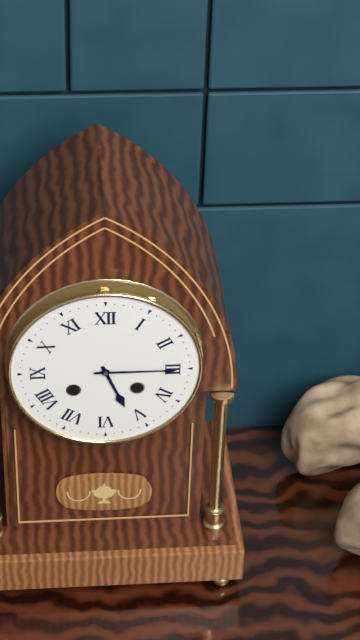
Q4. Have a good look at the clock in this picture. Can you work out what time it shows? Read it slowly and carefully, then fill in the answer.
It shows 5:15
